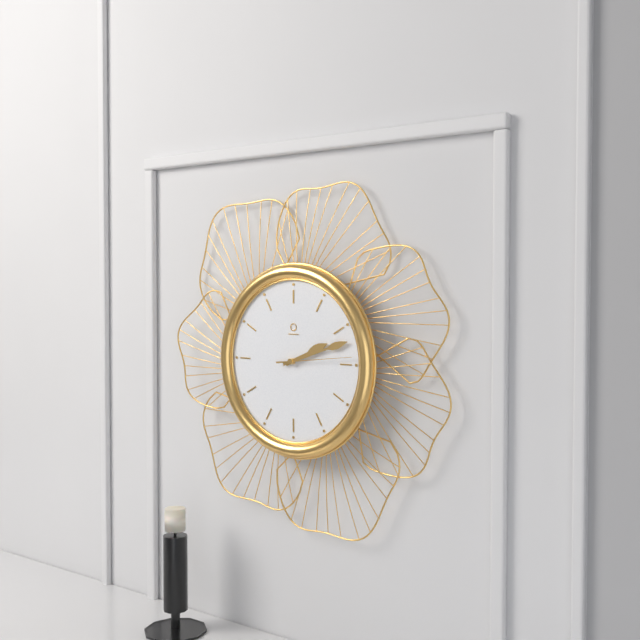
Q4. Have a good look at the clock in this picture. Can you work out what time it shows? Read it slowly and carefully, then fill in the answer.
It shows 2:12:14
